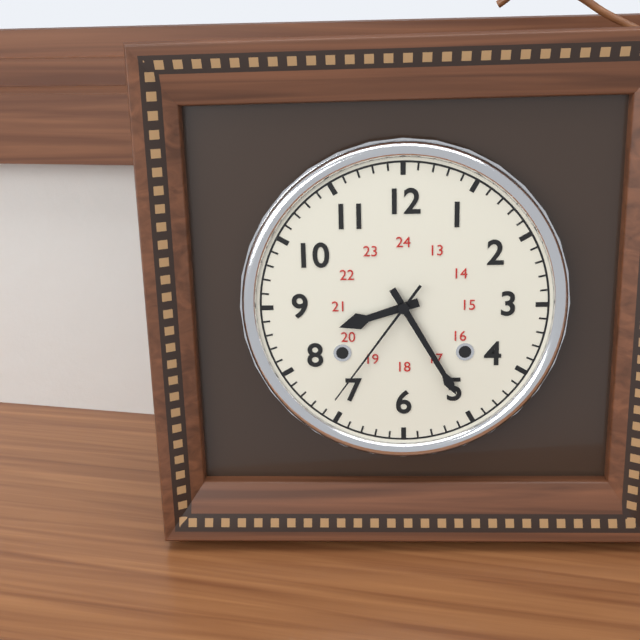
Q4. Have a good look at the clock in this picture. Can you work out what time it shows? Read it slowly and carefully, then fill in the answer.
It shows 8:25:36
